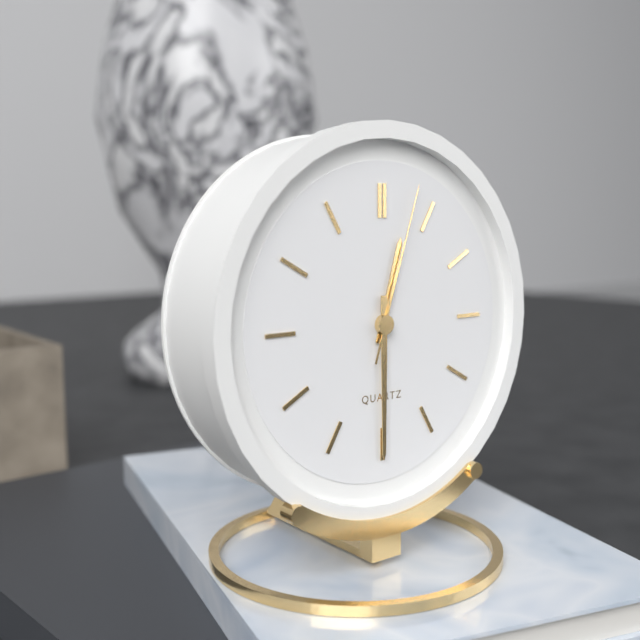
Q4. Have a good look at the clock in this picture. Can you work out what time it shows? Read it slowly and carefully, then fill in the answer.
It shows 12:30:03
